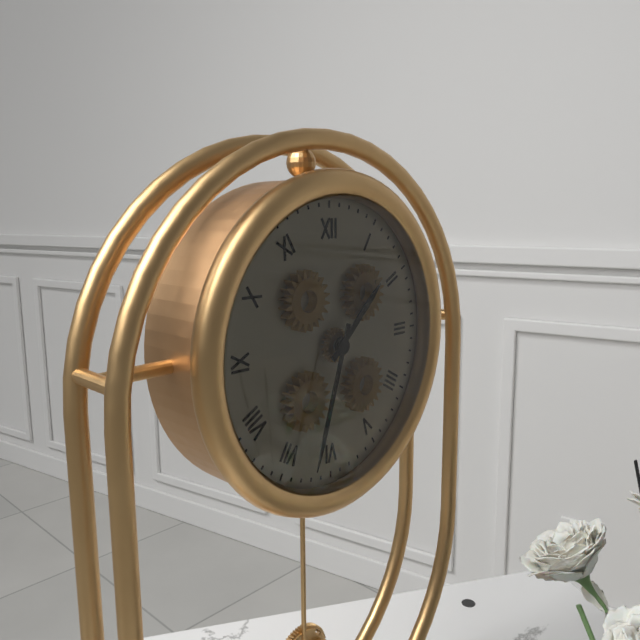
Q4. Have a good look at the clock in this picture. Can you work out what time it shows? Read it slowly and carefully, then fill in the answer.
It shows 1:33
